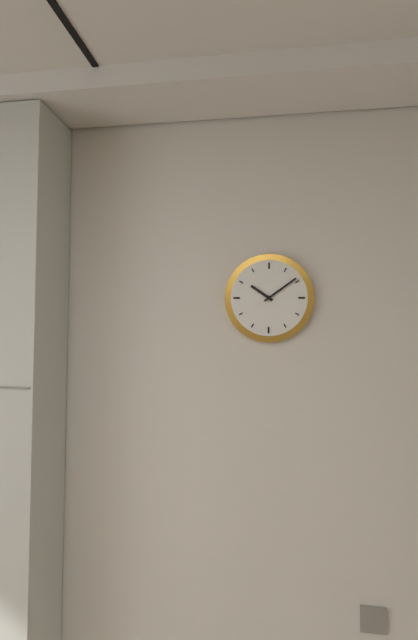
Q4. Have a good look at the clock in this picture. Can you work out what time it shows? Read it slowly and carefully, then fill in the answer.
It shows 10:09
